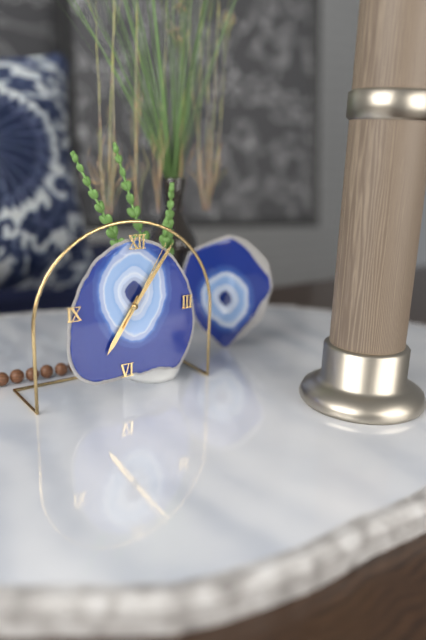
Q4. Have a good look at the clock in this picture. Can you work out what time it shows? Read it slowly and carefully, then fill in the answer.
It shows 7:06:05
